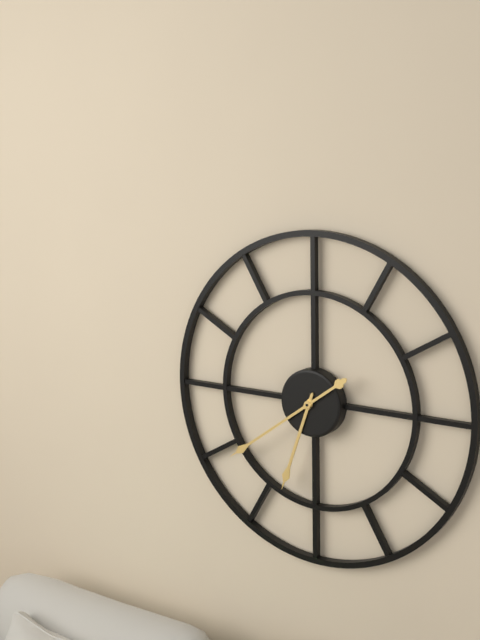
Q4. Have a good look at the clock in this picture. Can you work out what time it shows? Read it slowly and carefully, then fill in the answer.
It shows 6:39
